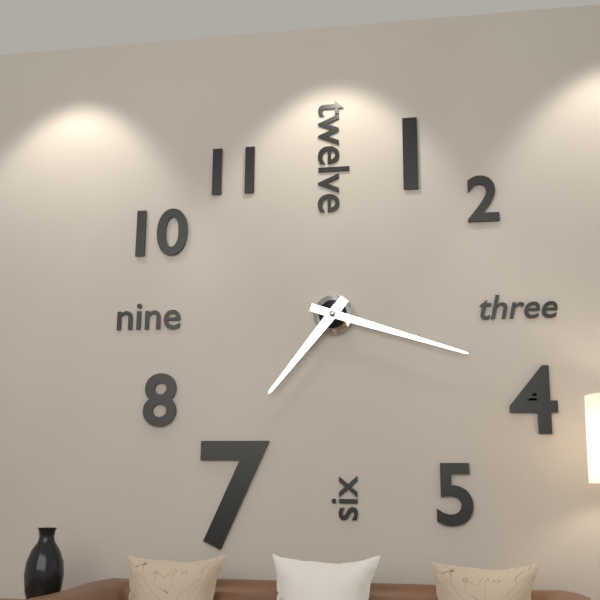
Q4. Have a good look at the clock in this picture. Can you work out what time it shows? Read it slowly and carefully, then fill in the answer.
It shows 7:18
